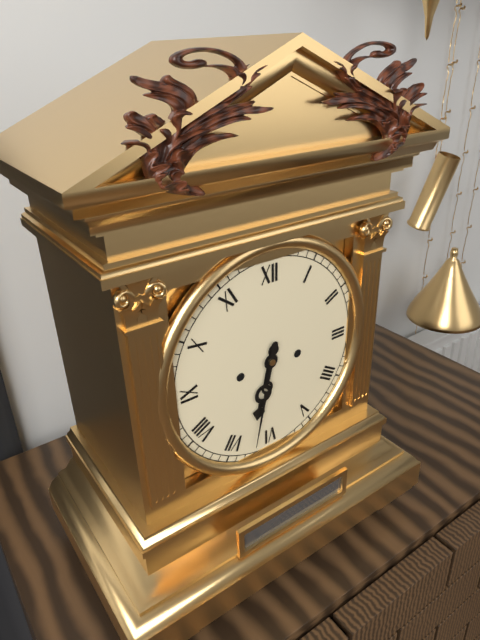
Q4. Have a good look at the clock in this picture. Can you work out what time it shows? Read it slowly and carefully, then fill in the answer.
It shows 6:32
